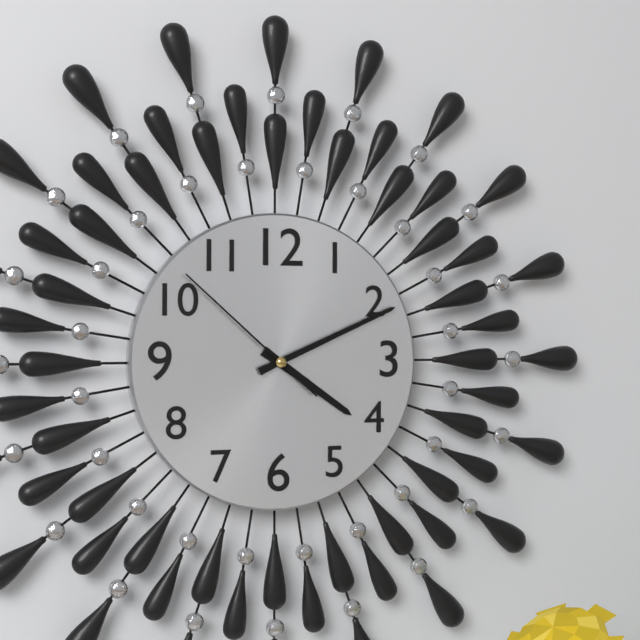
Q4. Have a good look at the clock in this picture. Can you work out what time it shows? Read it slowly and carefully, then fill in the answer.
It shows 4:11:52
